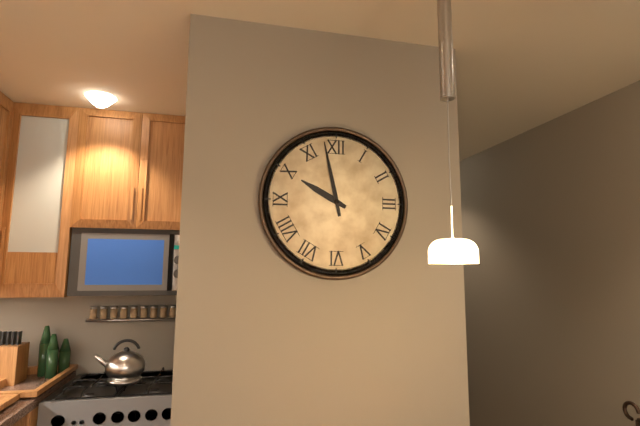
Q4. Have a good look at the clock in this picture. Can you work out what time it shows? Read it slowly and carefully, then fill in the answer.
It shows 9:58
